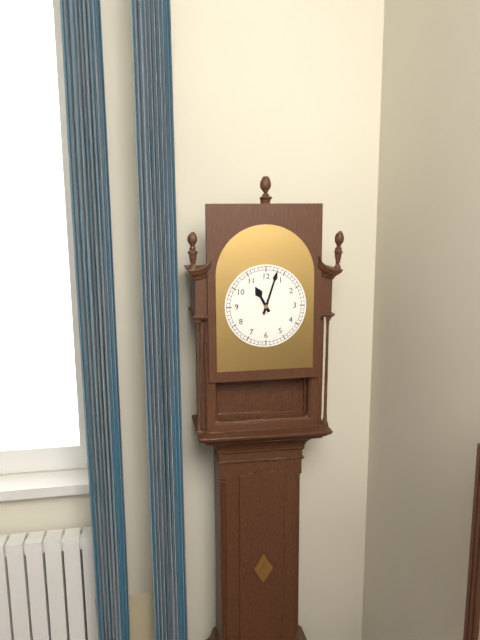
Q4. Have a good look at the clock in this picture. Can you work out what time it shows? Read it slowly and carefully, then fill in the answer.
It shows 11:03
